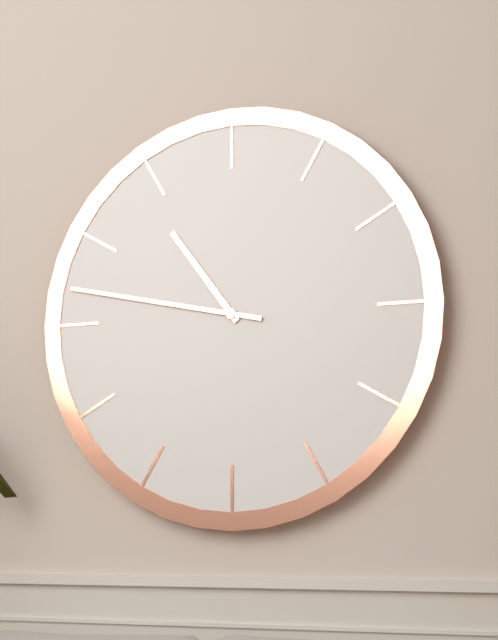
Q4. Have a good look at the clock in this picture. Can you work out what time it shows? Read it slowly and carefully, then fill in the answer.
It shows 10:47
